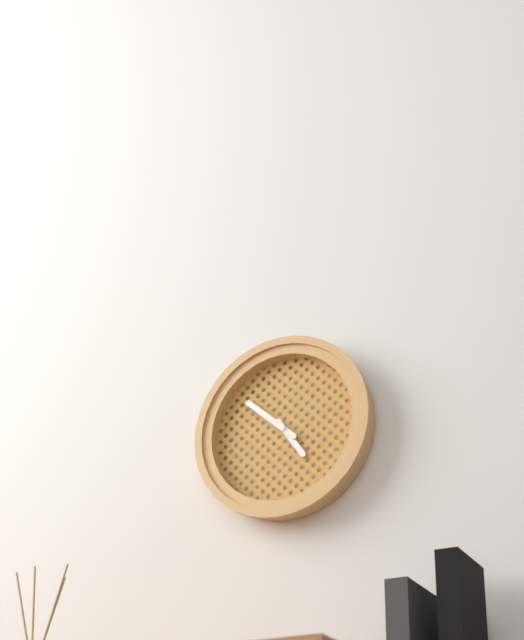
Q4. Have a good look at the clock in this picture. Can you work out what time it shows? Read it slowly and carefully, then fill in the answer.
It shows 4:52
